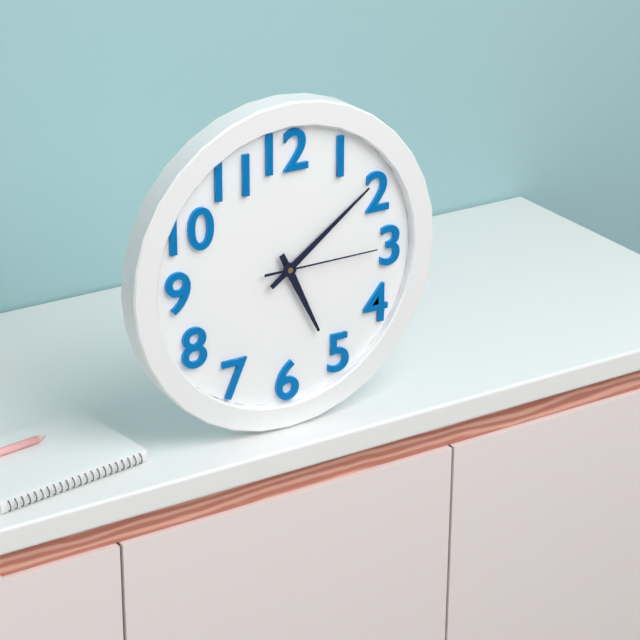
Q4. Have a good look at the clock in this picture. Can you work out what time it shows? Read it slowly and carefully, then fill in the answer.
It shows 5:09:15
